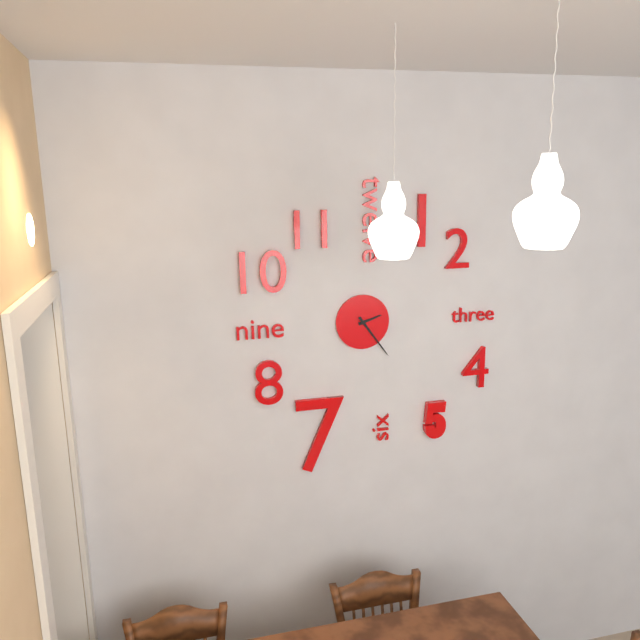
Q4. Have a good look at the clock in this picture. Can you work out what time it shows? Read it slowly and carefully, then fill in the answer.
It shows 2:24
